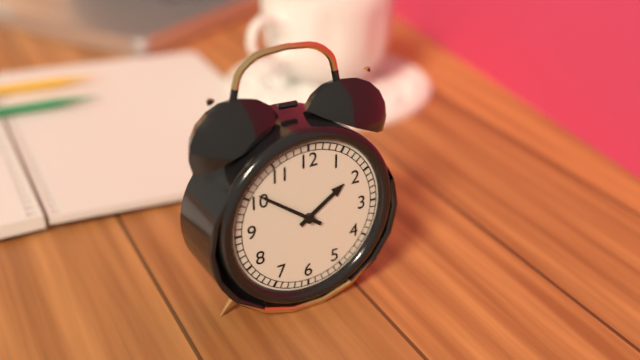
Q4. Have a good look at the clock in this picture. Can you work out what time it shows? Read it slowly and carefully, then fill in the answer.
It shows 1:51
